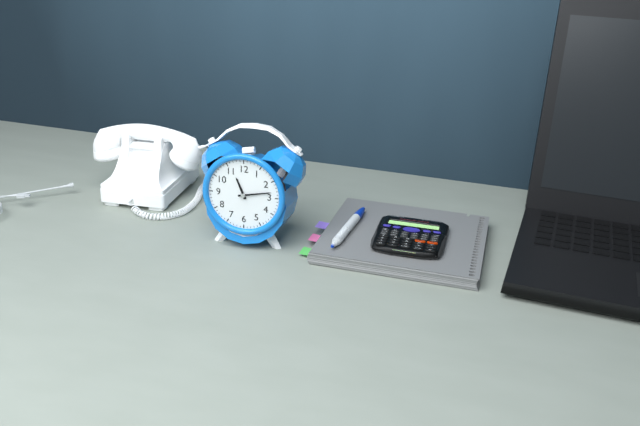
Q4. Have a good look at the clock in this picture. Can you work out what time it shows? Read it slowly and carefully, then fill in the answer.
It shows 11:13
